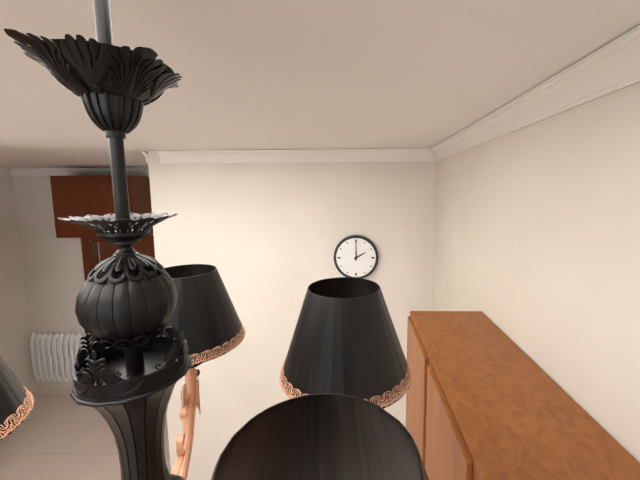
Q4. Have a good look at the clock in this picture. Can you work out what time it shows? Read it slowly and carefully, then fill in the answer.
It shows 2:00
